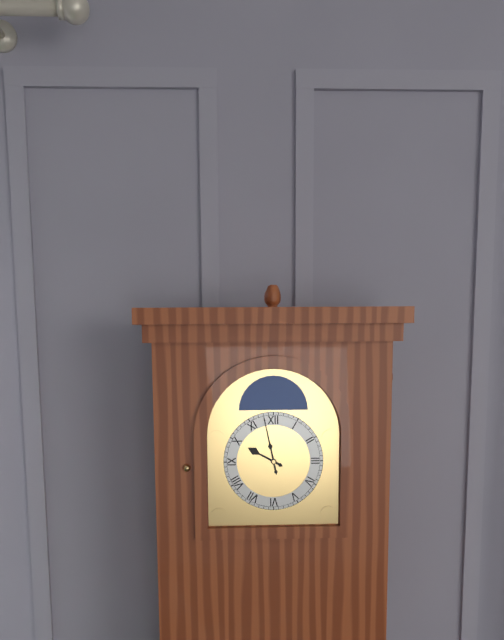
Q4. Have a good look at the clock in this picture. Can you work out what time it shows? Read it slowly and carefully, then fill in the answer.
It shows 9:58
